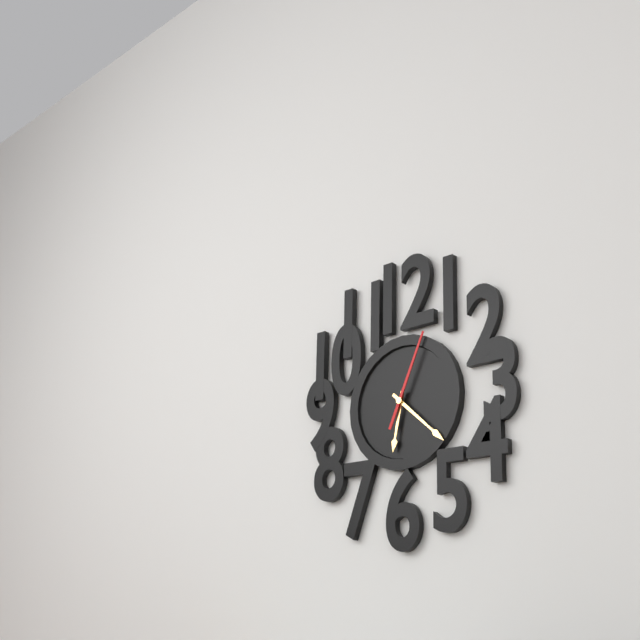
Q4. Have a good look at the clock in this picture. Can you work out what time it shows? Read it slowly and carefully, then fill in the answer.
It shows 6:22:04
